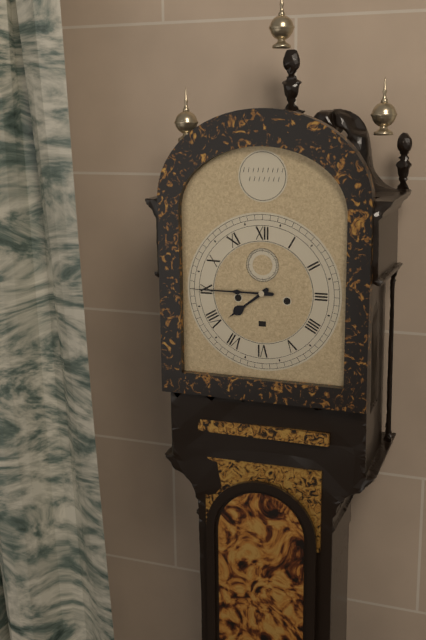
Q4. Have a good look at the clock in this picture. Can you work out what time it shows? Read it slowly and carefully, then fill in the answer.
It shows 7:45
